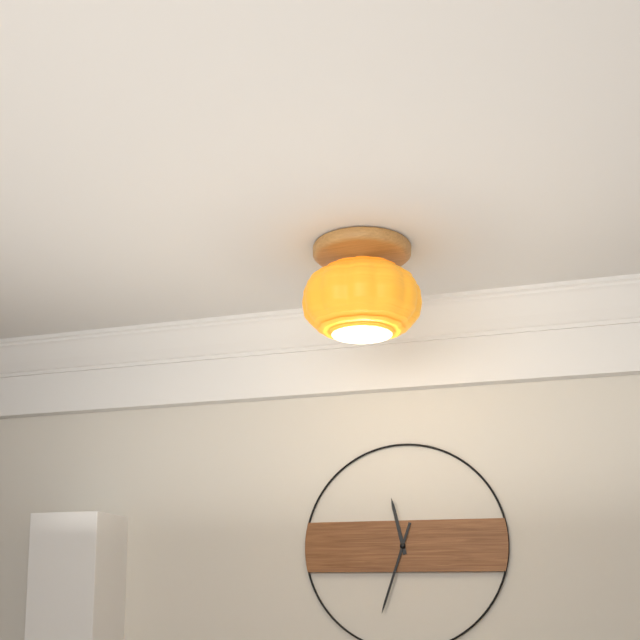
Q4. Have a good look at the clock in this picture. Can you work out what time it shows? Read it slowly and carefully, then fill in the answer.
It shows 11:33
